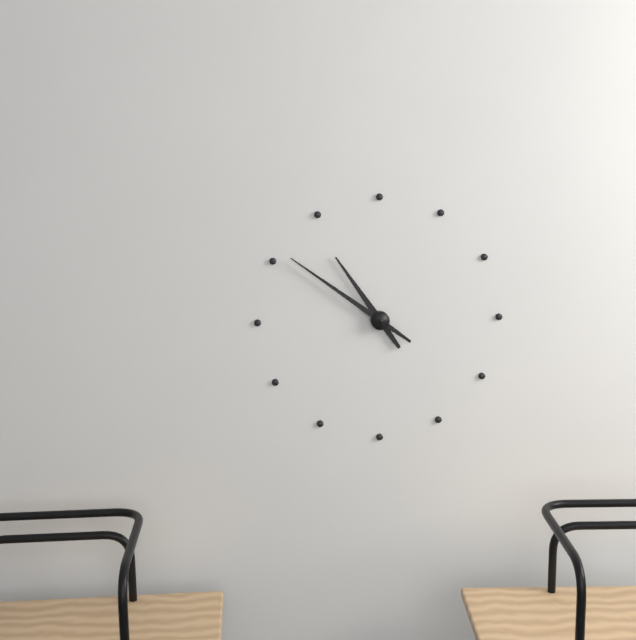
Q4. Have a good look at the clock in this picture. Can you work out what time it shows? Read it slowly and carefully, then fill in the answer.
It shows 10:51
